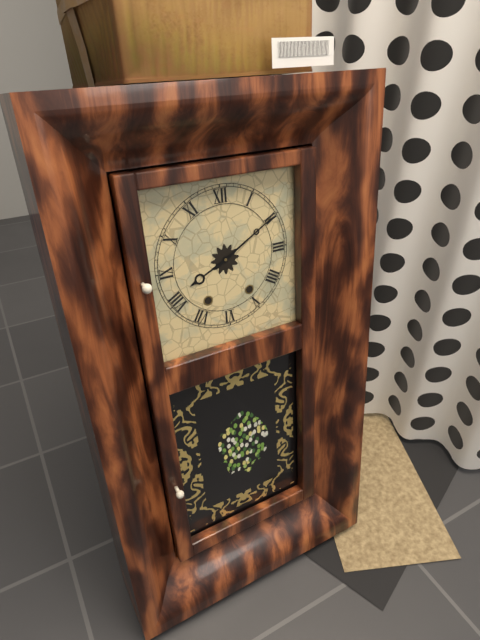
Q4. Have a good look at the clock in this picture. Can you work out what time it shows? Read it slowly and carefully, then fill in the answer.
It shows 8:10
